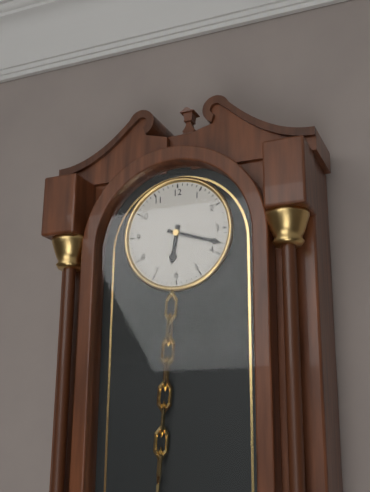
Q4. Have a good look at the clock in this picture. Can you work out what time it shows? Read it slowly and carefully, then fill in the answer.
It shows 6:18
